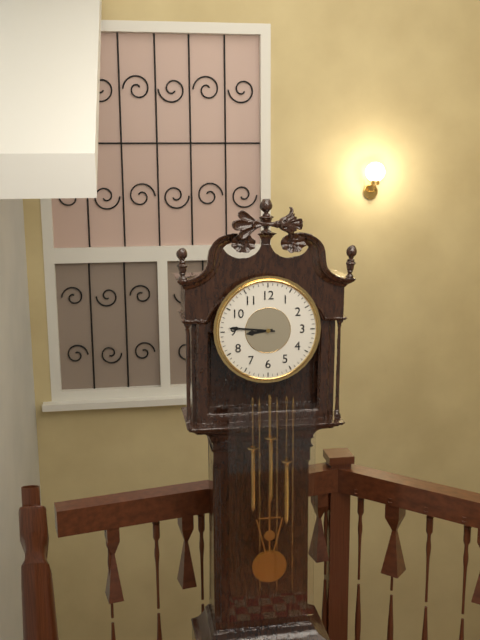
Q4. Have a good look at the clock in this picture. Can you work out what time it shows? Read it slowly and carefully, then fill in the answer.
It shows 8:46
